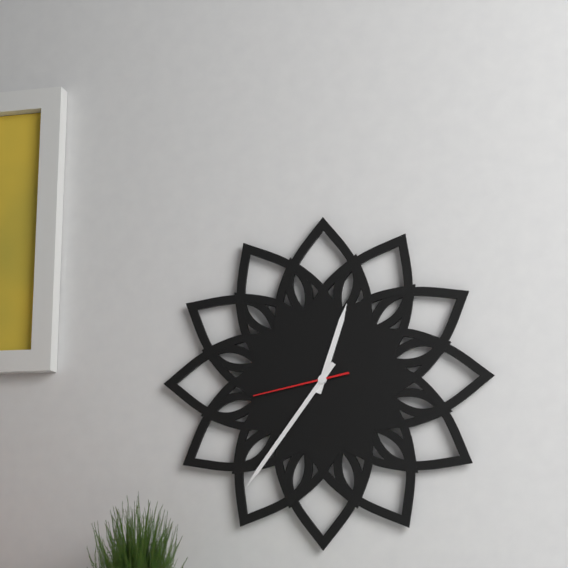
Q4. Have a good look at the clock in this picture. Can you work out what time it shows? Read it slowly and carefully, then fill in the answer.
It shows 12:36:43
